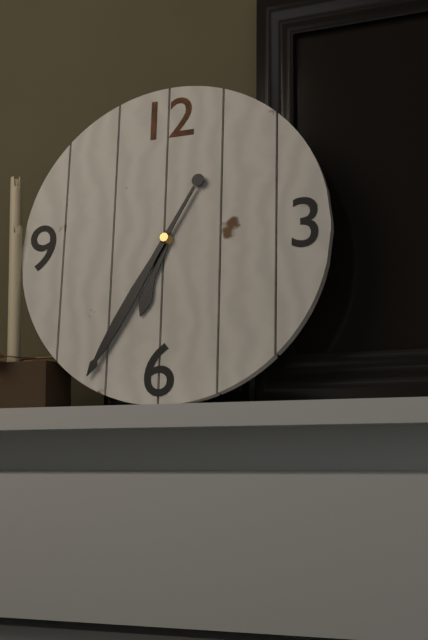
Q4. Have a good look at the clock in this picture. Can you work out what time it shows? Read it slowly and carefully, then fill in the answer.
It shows 6:35
